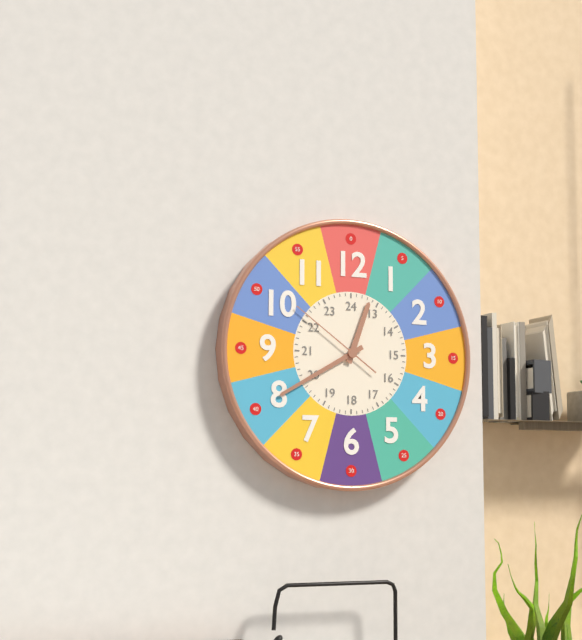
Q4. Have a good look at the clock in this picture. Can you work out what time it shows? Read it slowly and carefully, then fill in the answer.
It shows 12:40:51
